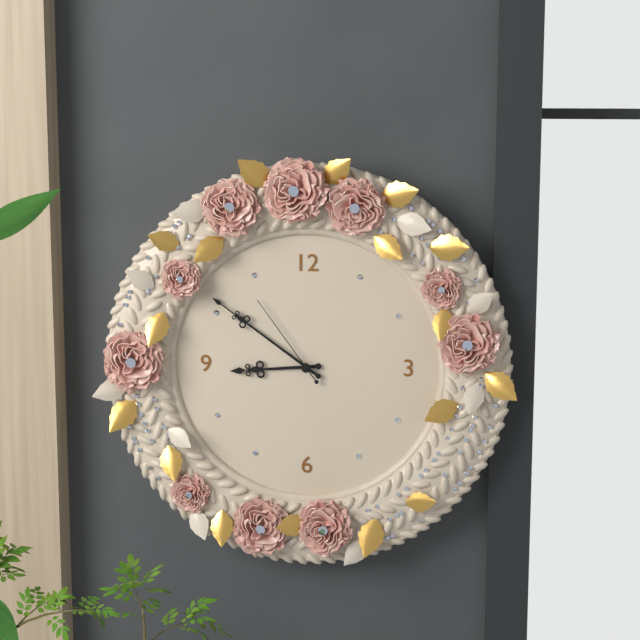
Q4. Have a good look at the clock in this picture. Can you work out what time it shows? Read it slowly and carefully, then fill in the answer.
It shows 8:51:54
